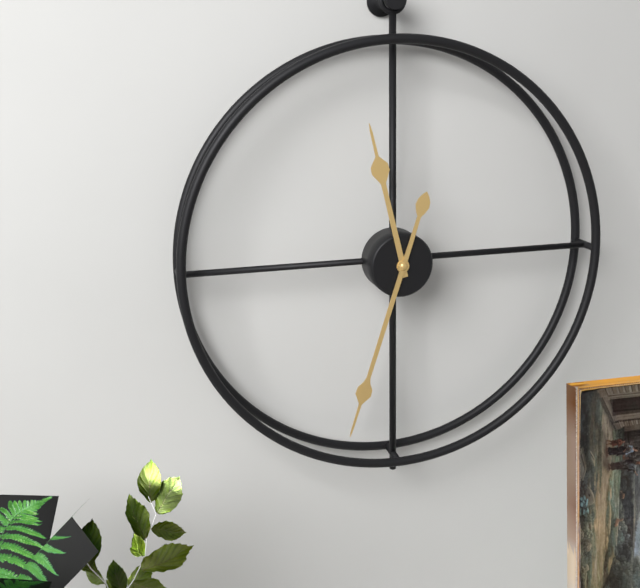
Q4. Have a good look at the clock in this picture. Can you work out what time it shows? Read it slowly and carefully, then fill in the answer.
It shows 11:33
